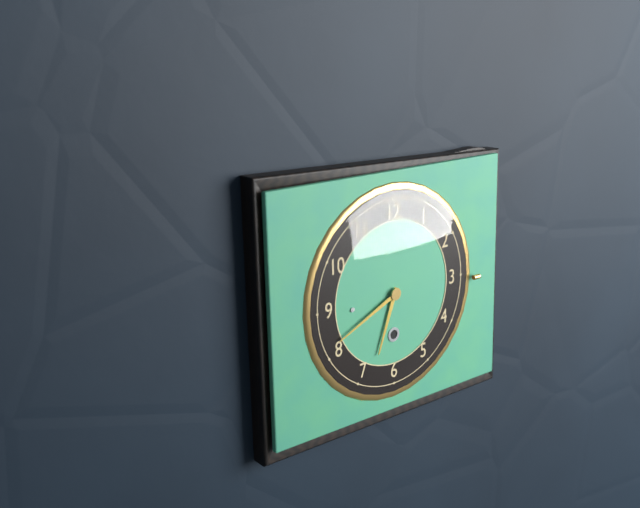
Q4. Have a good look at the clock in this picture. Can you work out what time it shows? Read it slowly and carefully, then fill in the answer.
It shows 6:41
